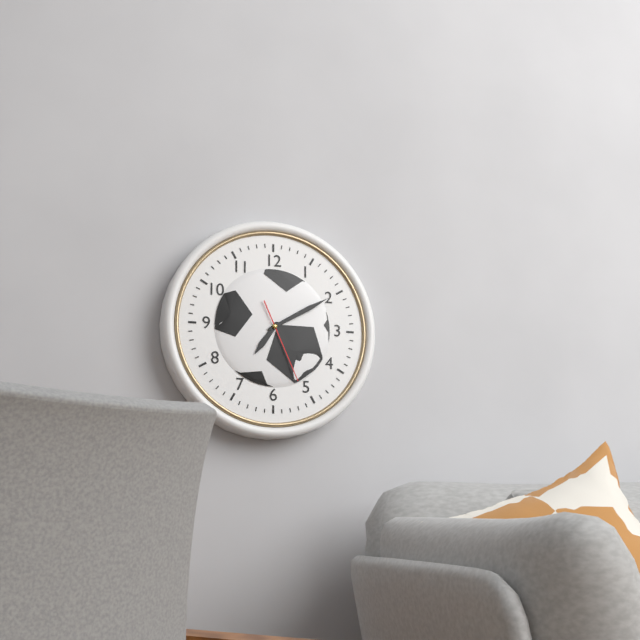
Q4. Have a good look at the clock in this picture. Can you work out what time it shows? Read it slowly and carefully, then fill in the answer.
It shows 7:10:26
